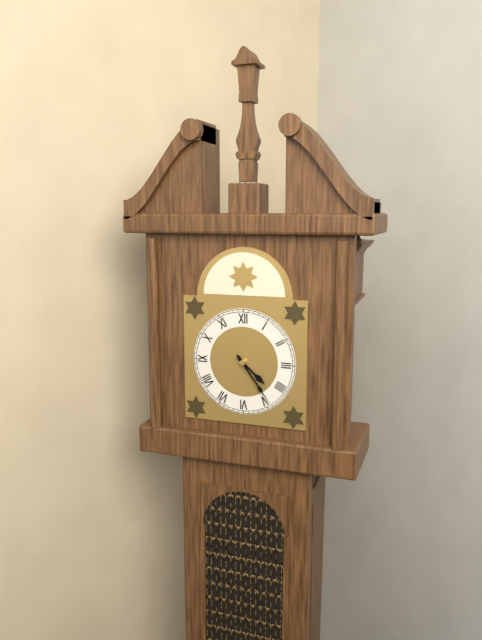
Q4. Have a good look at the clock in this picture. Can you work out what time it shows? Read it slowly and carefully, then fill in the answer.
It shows 4:24
